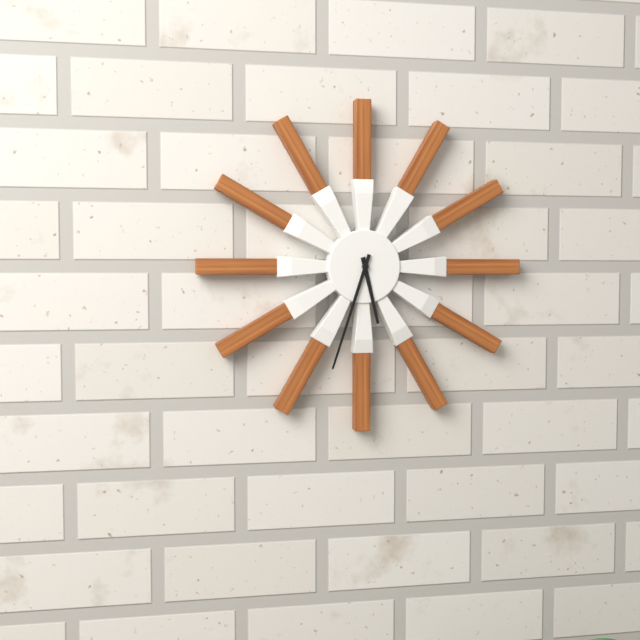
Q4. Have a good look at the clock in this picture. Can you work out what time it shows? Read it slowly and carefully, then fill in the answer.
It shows 5:33
